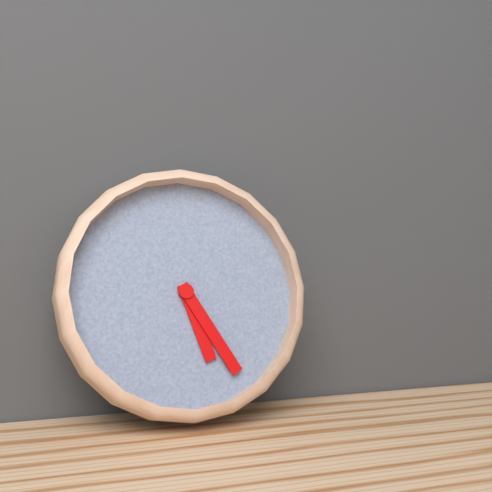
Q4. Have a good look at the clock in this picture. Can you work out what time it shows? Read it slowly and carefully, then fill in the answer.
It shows 5:25
